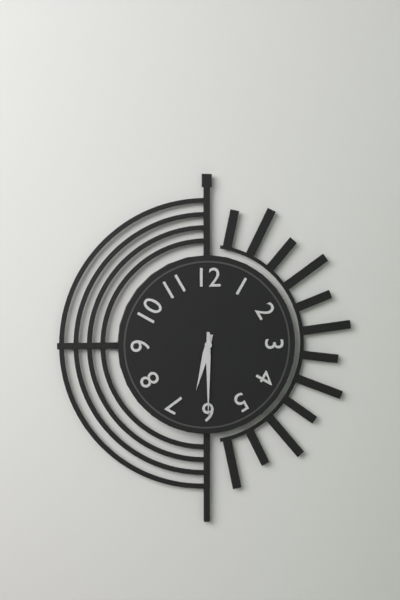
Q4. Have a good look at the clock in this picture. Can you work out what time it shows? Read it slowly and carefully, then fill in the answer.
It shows 6:30
